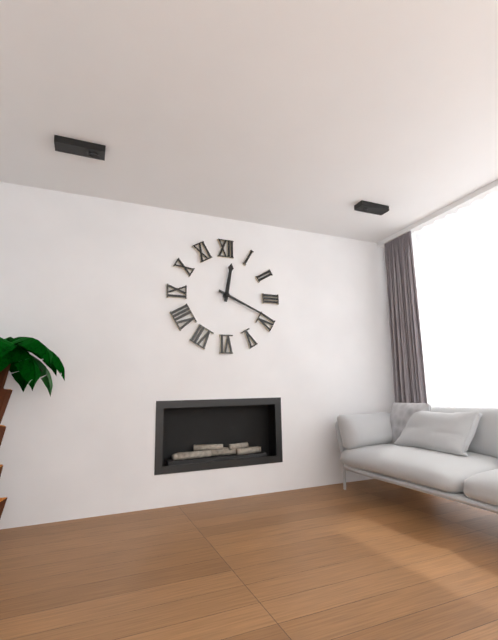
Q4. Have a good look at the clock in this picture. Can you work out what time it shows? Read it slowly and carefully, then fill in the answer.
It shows 12:19
